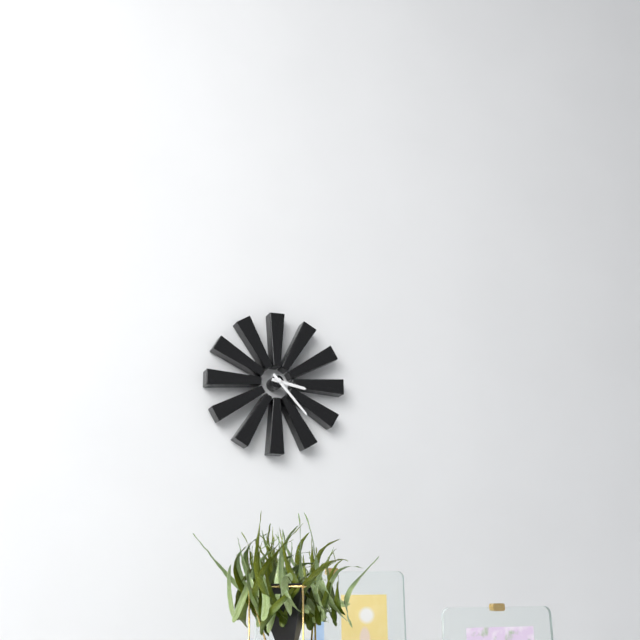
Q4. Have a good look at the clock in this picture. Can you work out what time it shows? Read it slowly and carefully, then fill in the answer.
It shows 3:23
